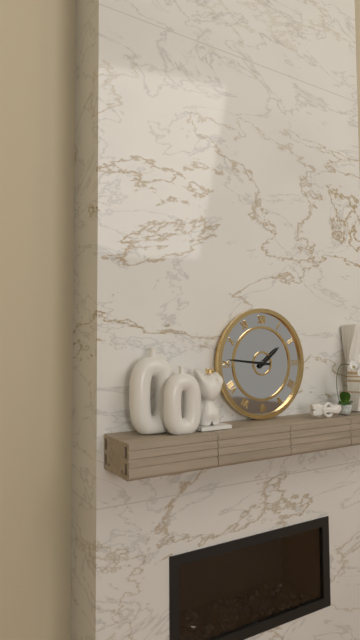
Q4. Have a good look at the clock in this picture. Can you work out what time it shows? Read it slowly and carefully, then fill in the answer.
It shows 1:46
